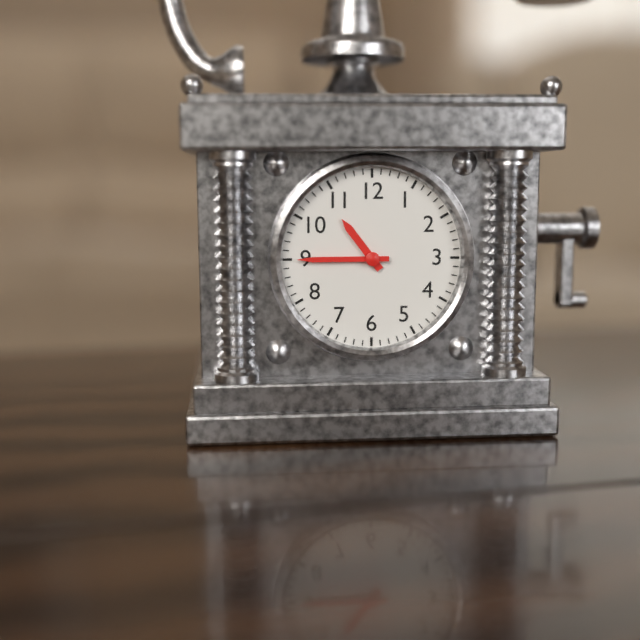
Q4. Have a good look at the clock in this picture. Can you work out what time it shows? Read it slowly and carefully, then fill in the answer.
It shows 10:45
